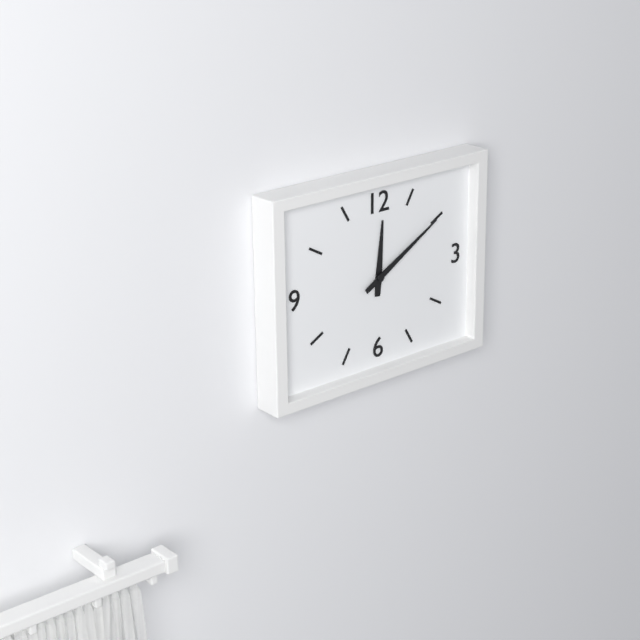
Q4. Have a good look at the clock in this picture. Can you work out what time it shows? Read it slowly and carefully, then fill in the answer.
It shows 12:10
